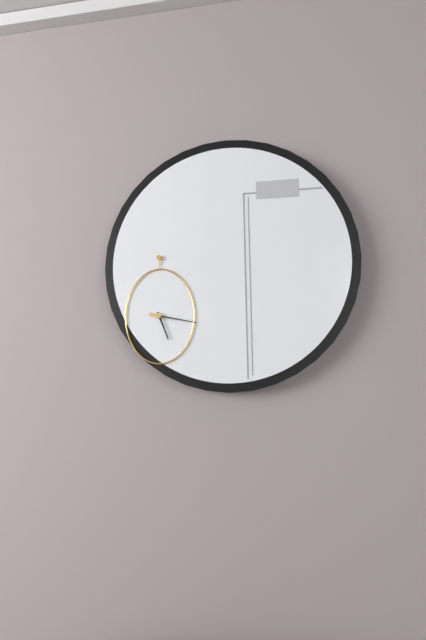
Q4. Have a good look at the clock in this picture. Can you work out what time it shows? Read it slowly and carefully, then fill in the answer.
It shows 5:17
